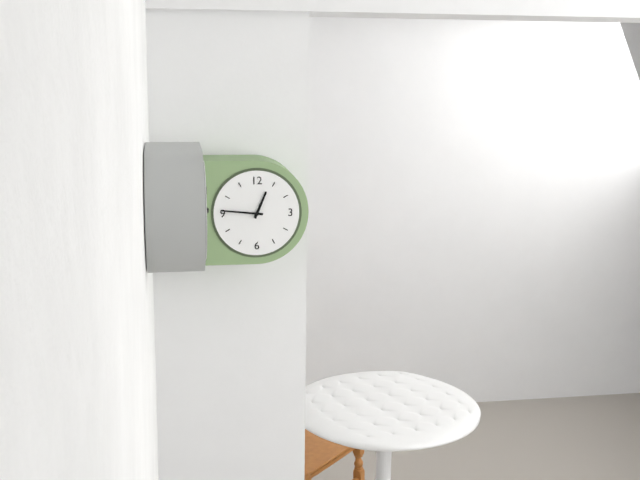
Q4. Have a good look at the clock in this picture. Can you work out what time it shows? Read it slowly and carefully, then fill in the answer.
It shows 12:46
